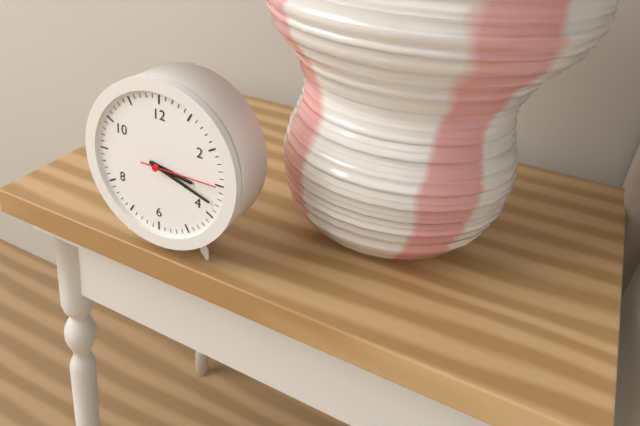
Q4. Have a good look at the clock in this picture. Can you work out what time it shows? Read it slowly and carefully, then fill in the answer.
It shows 3:18:15
